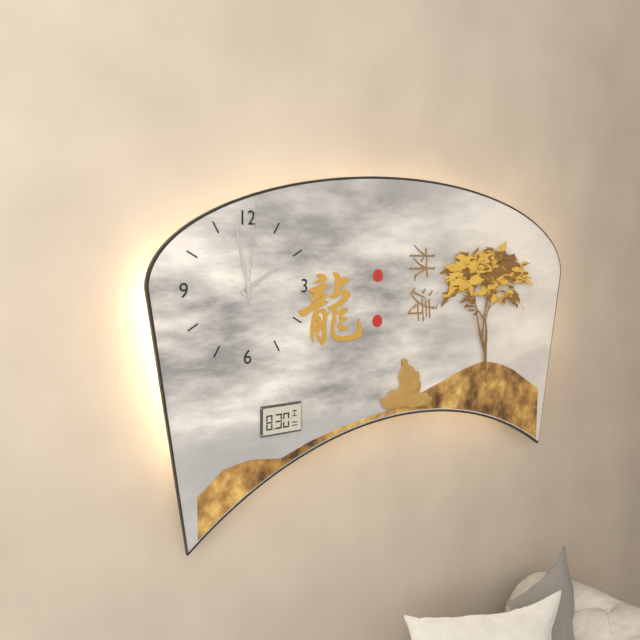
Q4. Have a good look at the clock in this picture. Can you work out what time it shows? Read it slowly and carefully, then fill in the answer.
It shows 1:58:01
